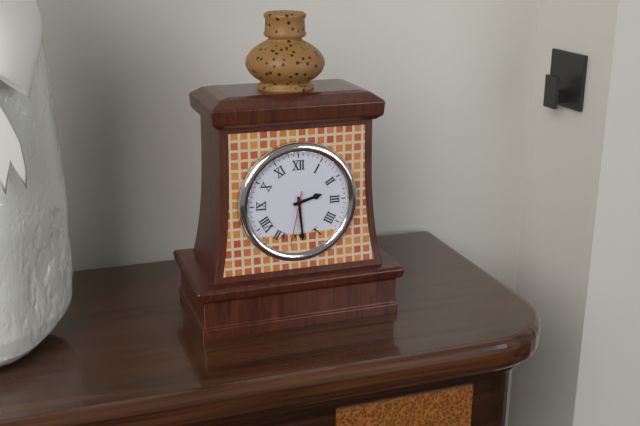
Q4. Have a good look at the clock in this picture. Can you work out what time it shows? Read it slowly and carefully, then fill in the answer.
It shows 2:29:32
